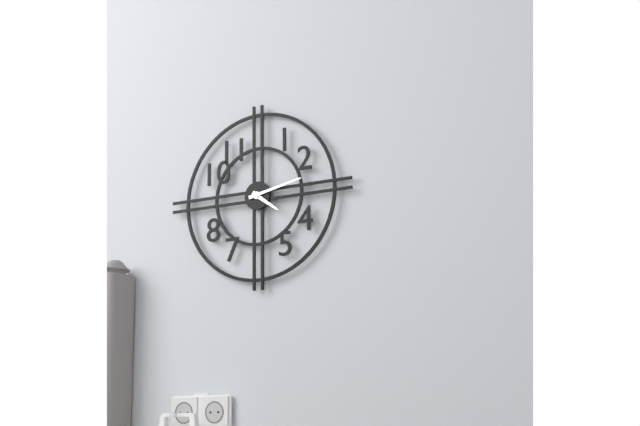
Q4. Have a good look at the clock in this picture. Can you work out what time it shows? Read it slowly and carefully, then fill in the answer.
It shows 4:13
